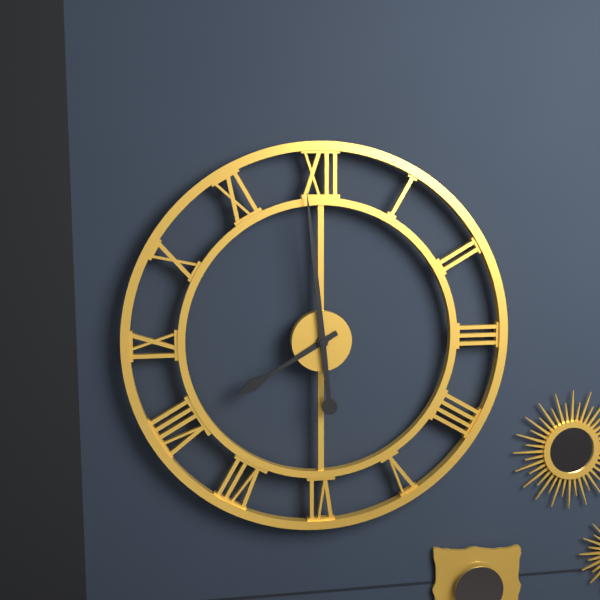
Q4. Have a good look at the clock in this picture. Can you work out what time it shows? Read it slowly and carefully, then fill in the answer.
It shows 7:59
